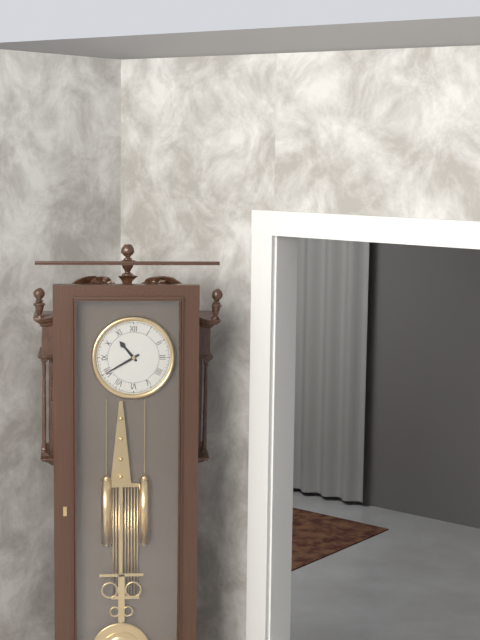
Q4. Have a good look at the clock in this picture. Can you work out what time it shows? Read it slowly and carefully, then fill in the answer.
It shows 10:40
